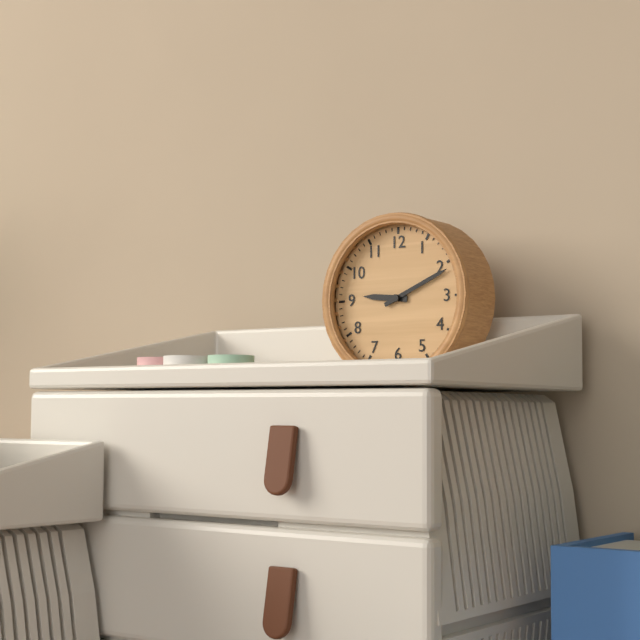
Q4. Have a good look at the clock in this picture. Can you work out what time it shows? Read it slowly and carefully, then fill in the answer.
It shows 9:11
